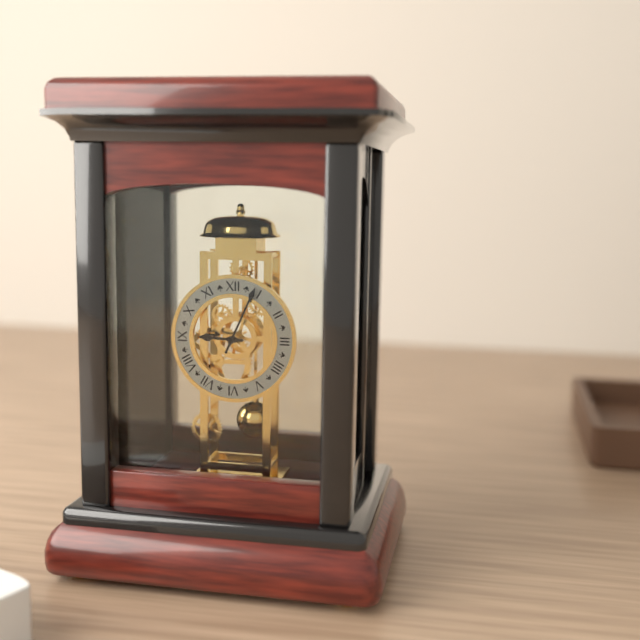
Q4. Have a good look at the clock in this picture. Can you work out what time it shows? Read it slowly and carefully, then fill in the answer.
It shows 9:04
